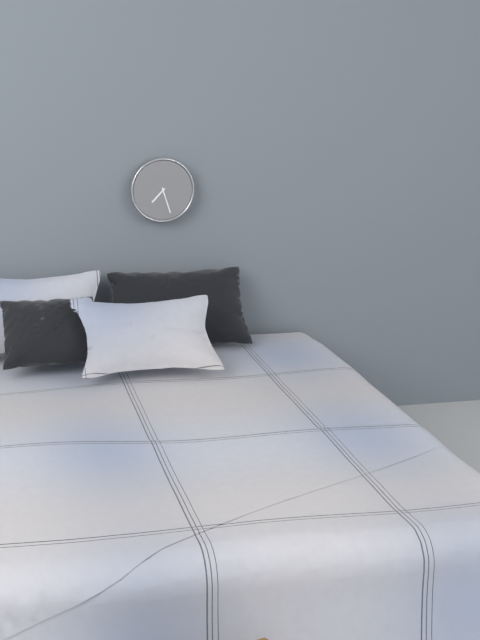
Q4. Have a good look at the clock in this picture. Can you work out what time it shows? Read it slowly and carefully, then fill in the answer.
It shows 7:27
